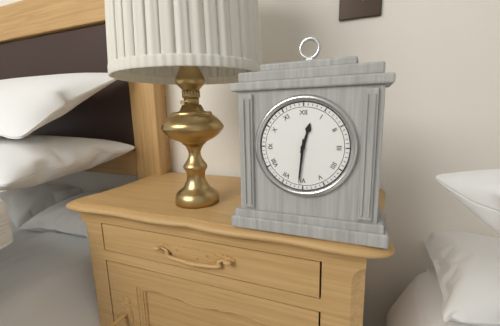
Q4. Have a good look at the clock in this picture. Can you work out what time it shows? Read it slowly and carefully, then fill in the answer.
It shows 12:31
